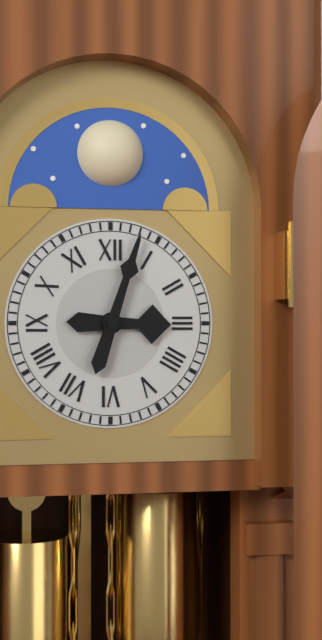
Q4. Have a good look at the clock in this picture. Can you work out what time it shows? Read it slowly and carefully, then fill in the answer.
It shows 3:03
